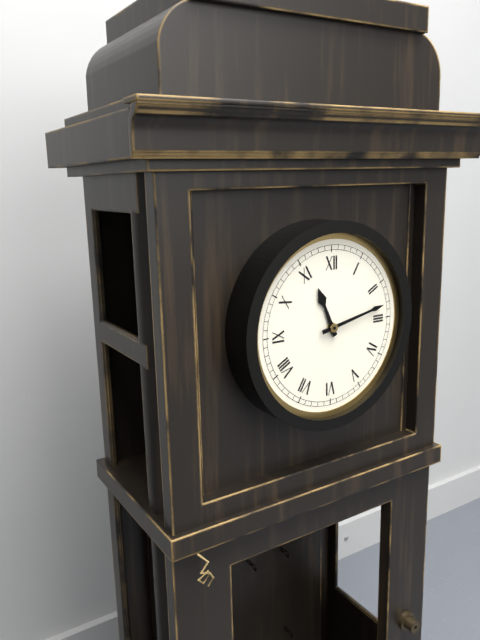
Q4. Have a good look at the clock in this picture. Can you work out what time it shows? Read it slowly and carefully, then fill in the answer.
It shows 11:13
